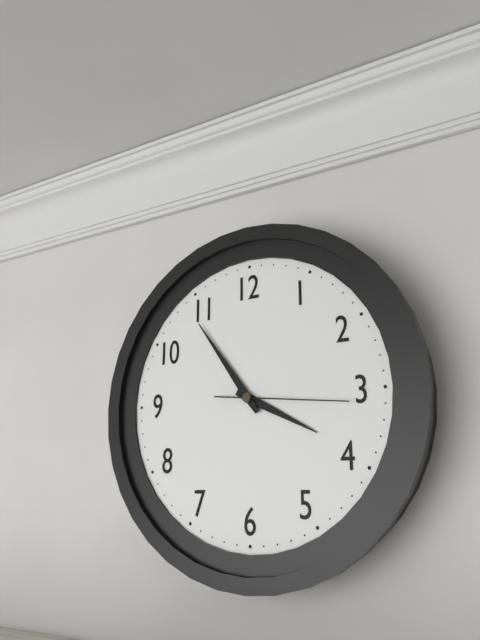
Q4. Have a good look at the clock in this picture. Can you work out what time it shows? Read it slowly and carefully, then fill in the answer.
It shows 3:54:16
